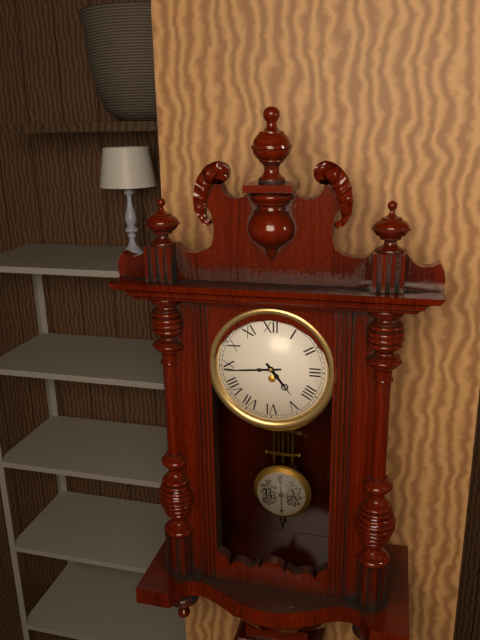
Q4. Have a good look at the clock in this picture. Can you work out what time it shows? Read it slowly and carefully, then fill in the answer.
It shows 4:44
